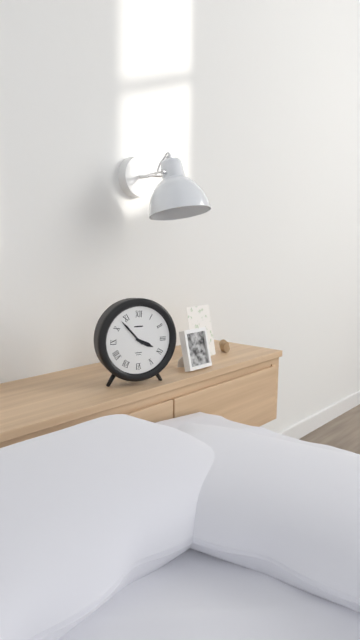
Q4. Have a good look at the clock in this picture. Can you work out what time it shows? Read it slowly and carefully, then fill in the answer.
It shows 3:53
